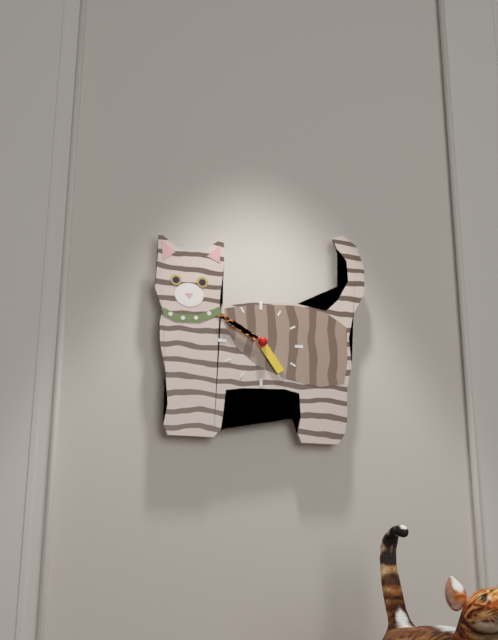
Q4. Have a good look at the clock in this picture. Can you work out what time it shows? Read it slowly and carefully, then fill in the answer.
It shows 4:50
